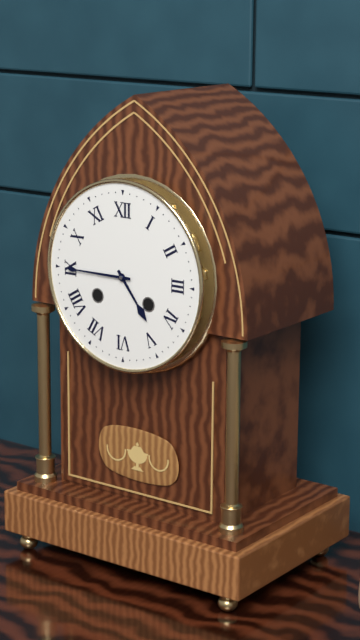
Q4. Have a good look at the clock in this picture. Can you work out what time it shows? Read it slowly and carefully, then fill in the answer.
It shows 4:45
